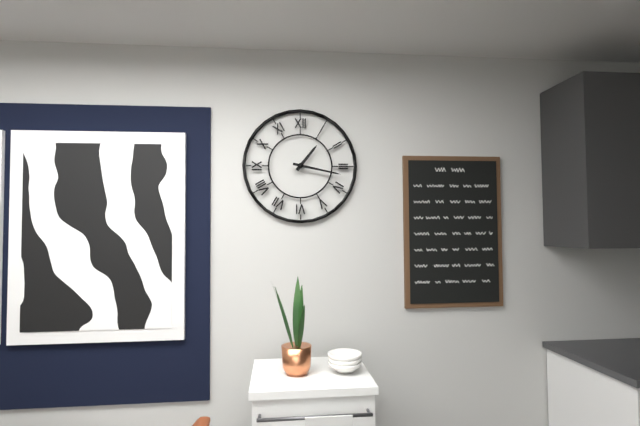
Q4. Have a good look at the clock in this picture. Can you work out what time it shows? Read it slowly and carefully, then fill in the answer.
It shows 1:17
